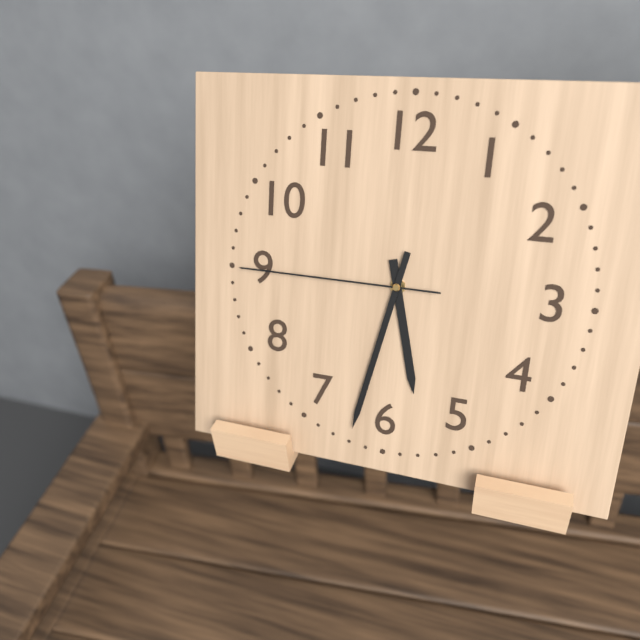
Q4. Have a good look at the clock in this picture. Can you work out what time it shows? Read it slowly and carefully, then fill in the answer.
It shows 5:32:45
